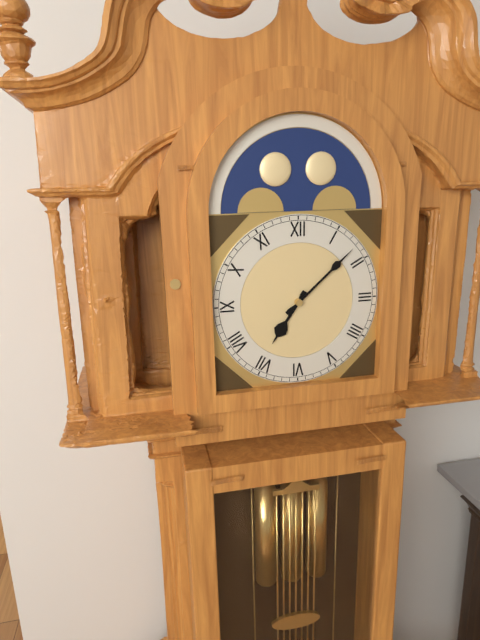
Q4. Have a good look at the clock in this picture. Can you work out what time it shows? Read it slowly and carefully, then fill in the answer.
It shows 7:08
